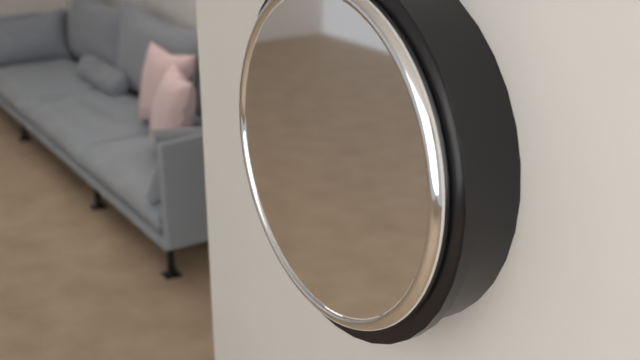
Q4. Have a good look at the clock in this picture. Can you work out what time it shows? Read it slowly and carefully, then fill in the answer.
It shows 4:04
